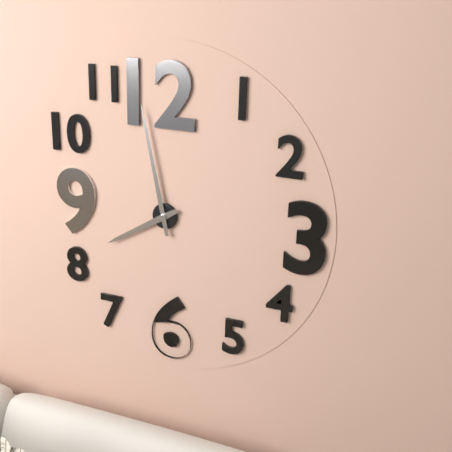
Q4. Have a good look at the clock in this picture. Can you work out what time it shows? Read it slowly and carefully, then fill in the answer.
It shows 7:58
